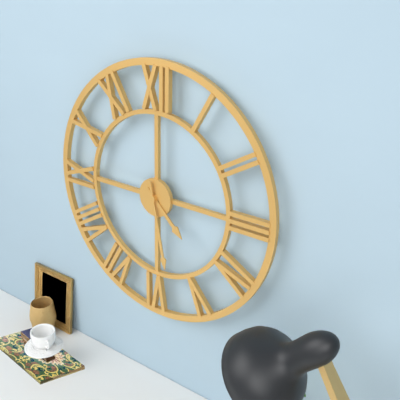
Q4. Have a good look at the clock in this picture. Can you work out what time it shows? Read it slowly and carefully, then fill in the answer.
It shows 4:28
